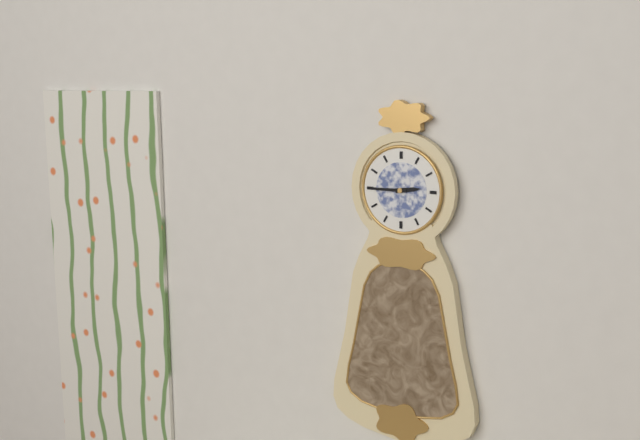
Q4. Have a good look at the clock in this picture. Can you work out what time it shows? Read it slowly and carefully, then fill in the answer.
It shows 2:45
